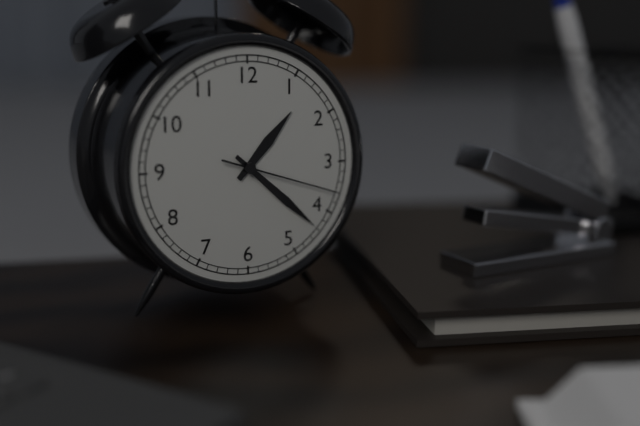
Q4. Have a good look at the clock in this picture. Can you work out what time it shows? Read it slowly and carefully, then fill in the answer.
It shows 1:22:18
